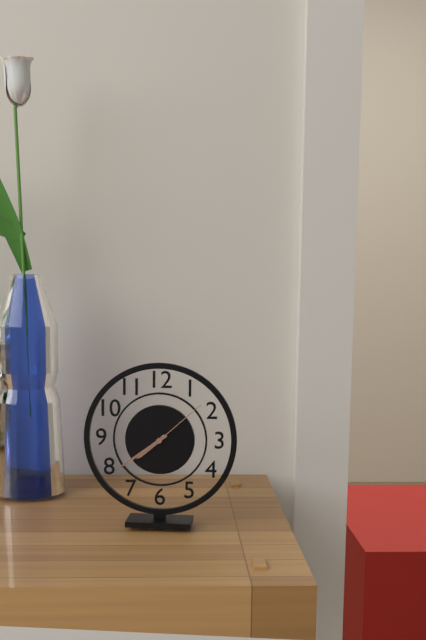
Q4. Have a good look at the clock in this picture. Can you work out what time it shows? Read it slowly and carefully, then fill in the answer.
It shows 7:39:08
